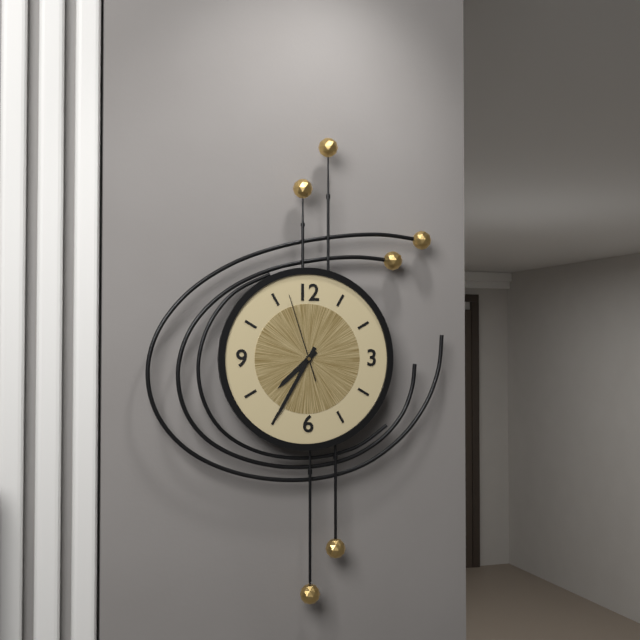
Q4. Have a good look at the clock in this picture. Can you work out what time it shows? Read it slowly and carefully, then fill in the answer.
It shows 7:35:57
